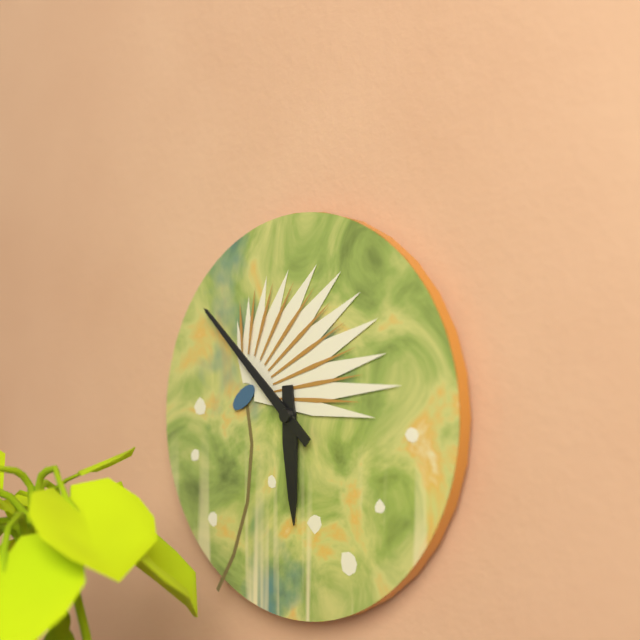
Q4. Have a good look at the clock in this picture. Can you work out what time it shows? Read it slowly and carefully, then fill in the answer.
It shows 5:52
